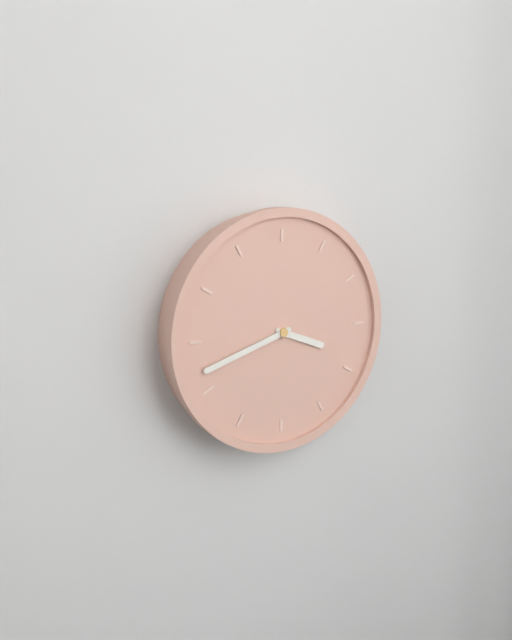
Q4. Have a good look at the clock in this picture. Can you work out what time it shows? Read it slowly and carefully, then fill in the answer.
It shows 3:42
